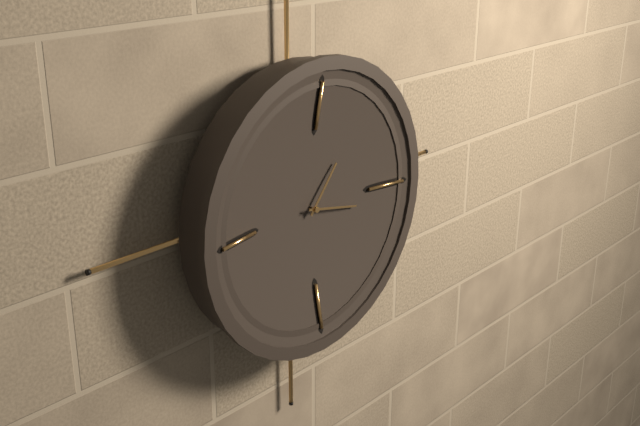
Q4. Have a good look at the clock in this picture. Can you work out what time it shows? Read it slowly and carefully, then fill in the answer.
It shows 1:17
